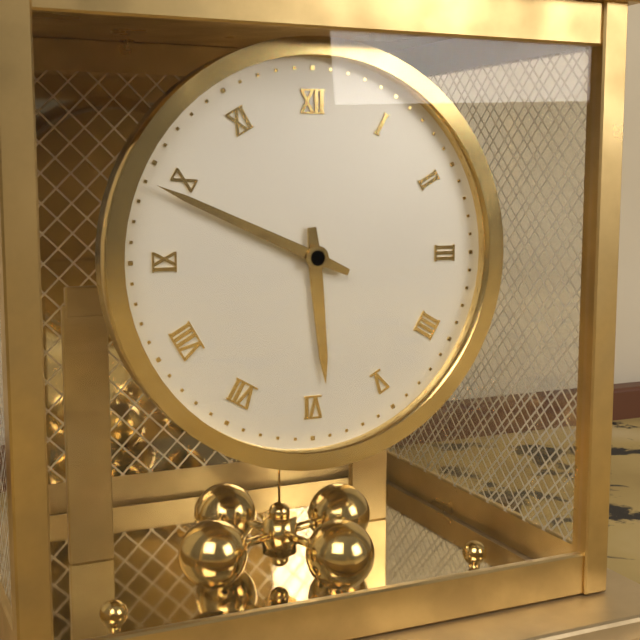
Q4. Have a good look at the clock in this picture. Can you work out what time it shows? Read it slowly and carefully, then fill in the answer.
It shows 5:49
